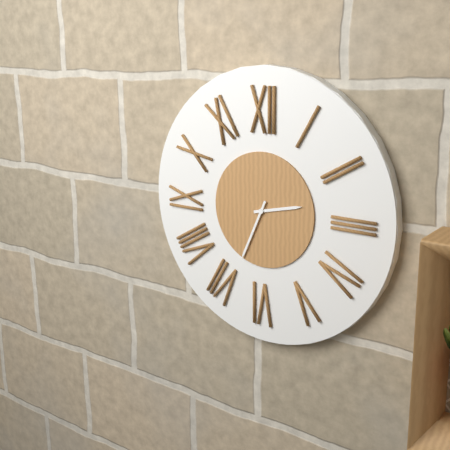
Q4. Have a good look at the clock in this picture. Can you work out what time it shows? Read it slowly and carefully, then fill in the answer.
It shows 2:34
